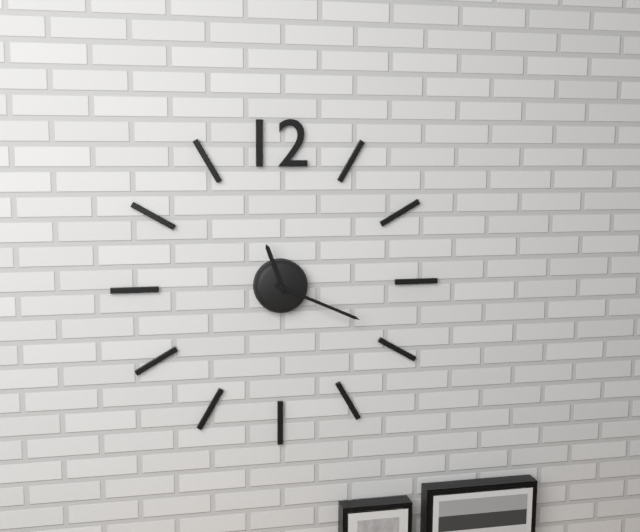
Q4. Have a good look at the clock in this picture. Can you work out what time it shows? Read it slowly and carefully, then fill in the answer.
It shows 11:19
